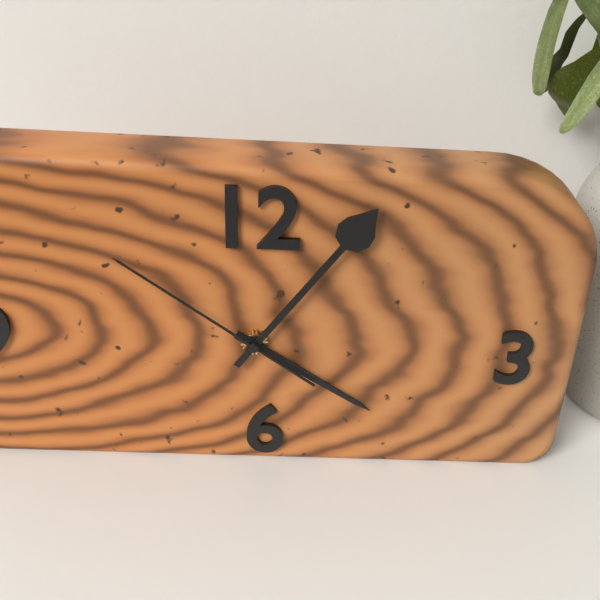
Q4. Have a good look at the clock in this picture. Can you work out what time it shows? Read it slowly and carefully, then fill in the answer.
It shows 4:06:51
